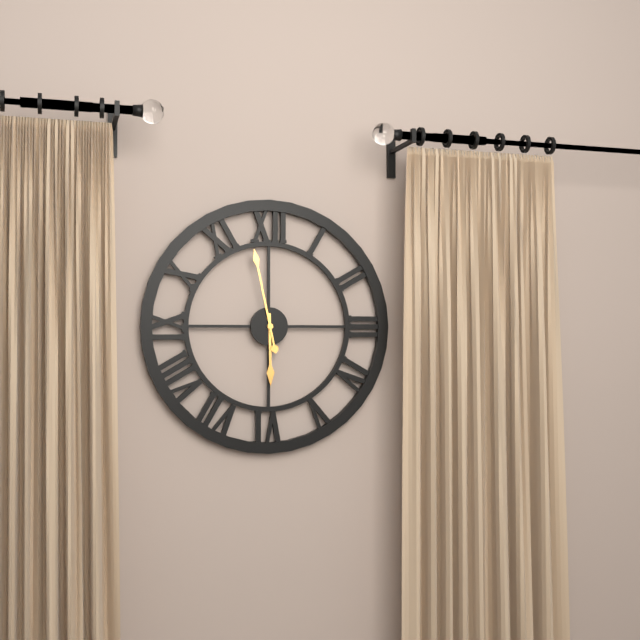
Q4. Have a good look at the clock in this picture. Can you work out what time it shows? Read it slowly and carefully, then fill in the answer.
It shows 5:58
